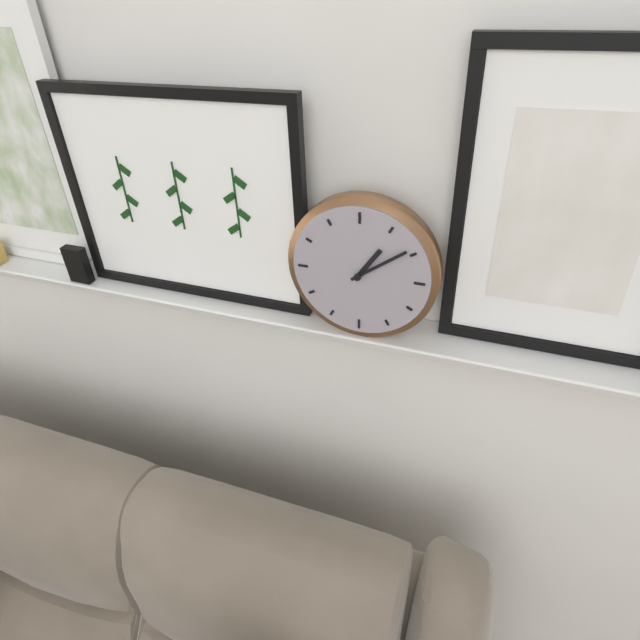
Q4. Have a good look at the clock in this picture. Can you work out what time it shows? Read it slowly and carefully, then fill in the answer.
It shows 1:09
